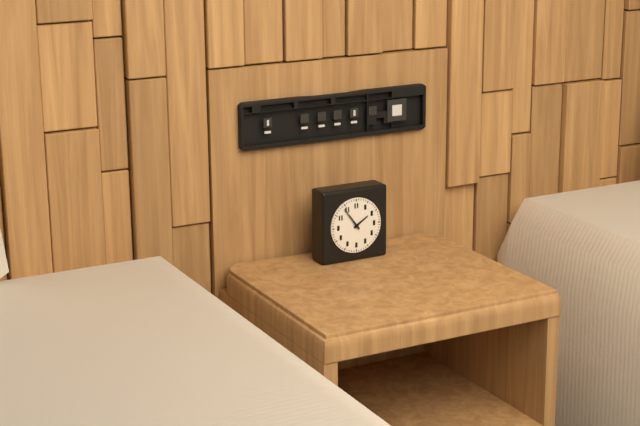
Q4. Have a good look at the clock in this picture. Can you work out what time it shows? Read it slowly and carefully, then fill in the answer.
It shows 1:54
